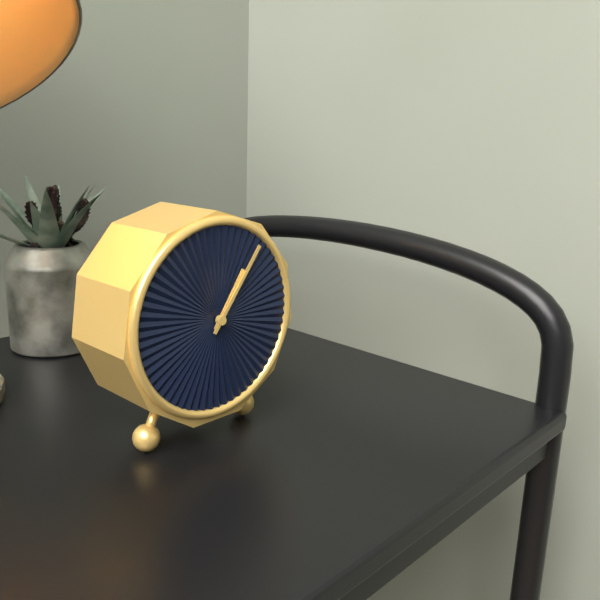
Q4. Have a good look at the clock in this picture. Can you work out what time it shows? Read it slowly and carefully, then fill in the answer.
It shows 1:06
